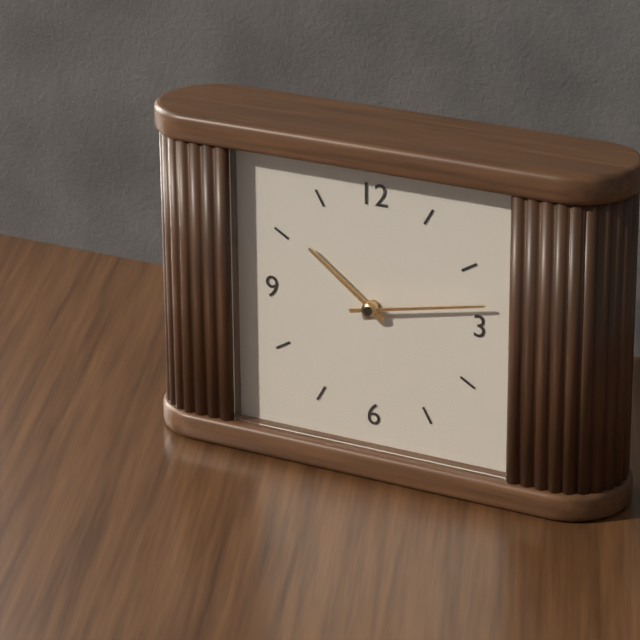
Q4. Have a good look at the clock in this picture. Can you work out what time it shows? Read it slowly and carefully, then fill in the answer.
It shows 10:13
